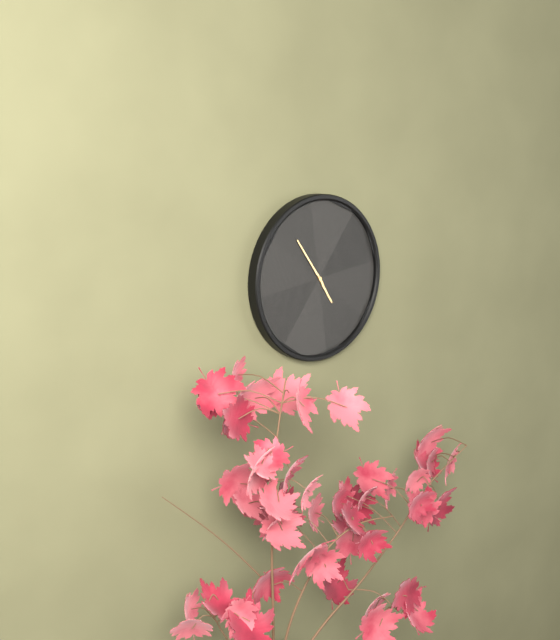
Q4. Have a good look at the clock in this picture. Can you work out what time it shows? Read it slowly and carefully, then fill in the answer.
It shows 4:54
